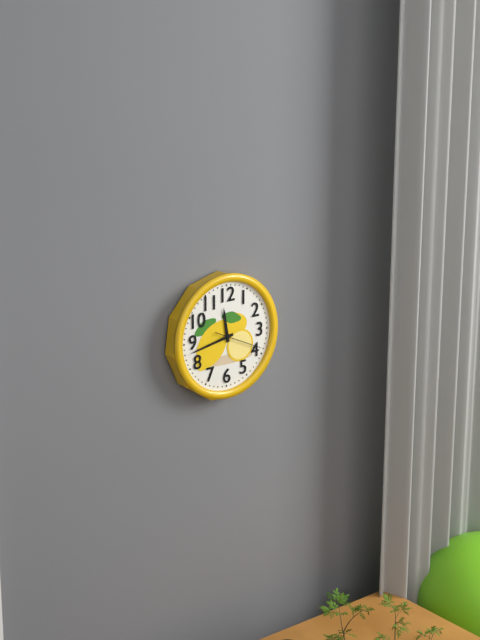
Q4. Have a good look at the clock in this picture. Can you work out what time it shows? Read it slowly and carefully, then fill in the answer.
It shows 11:43
